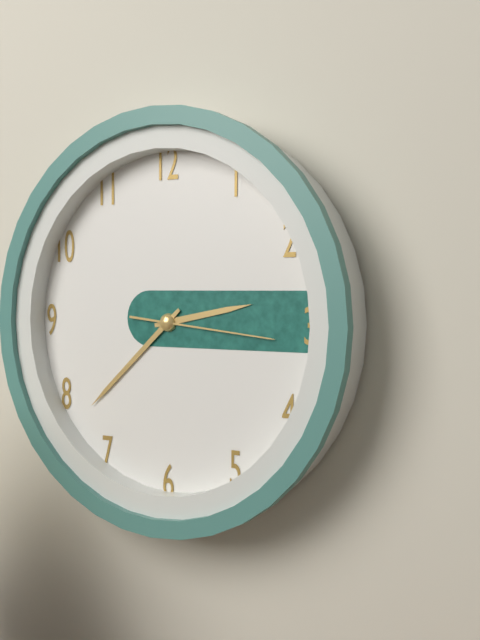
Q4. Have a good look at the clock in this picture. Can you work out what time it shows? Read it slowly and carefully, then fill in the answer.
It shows 2:38:16
